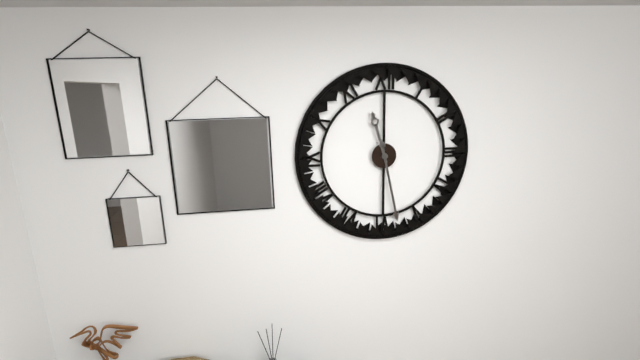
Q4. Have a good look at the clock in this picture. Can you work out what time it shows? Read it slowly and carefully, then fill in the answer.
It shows 11:28
